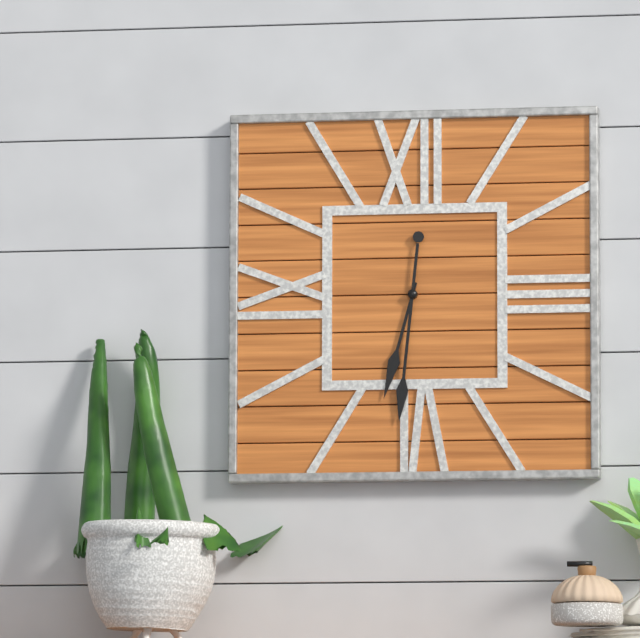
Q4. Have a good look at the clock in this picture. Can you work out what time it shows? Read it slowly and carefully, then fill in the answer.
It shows 6:31
